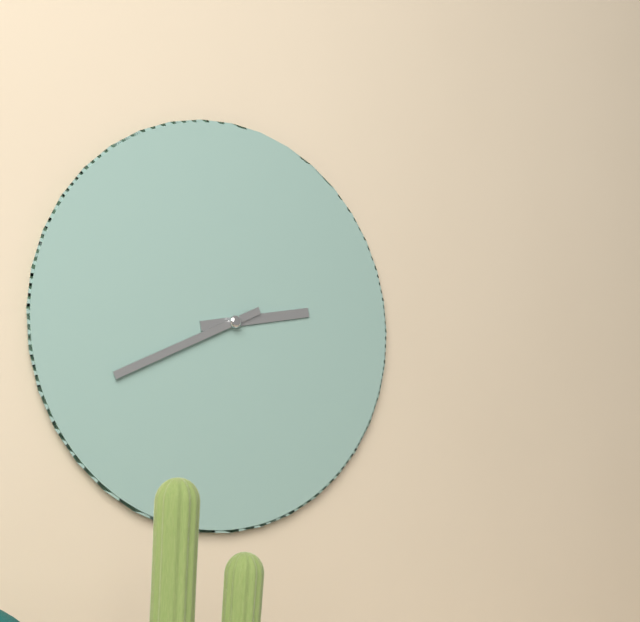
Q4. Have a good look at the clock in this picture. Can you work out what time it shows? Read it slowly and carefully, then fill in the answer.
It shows 2:41
